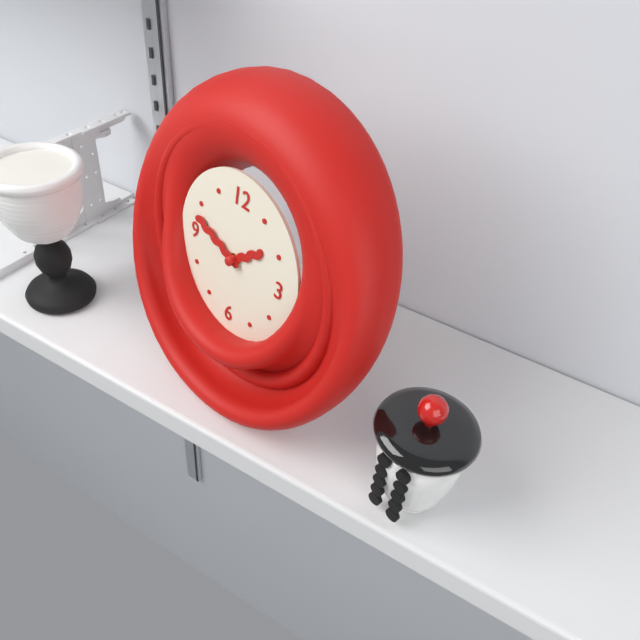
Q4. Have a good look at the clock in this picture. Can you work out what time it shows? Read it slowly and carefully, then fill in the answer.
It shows 1:48
